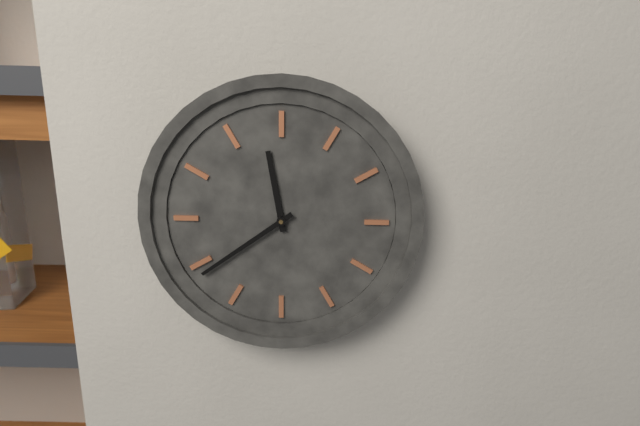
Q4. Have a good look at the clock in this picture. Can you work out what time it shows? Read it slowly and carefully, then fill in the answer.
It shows 11:39
